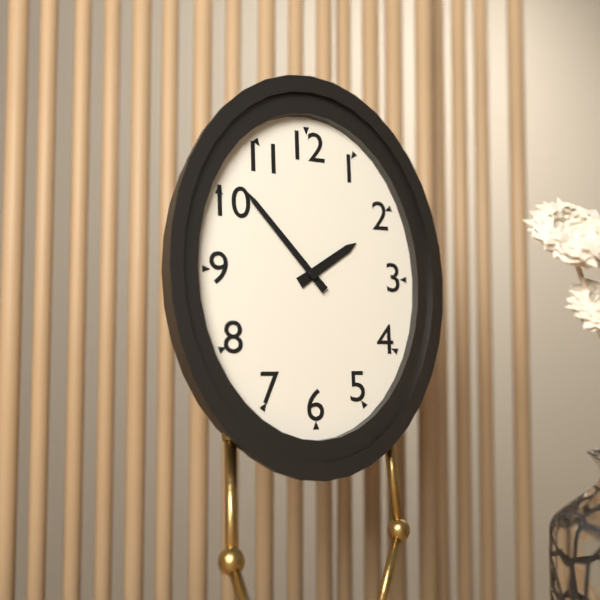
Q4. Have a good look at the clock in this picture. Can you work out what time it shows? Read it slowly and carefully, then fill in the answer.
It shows 1:53
